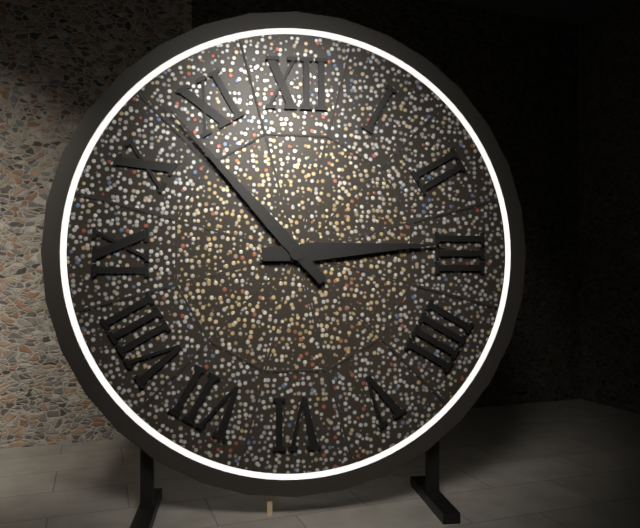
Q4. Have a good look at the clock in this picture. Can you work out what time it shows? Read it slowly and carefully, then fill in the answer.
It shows 2:53
